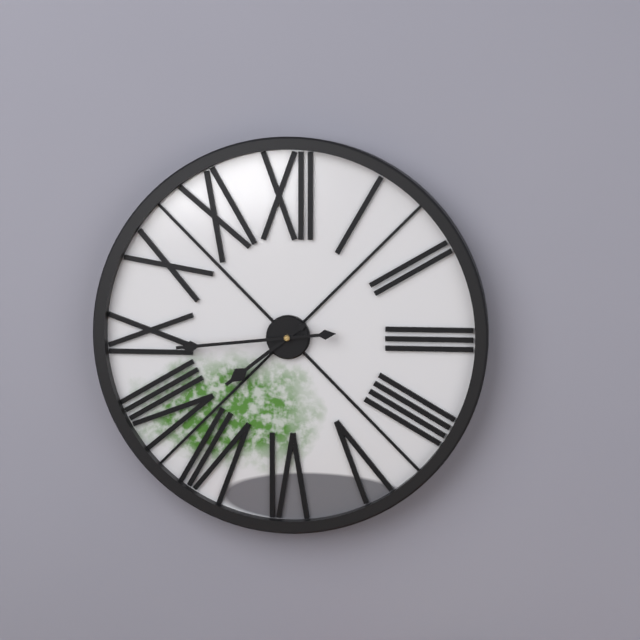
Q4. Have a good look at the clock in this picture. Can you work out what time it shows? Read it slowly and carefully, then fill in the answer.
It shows 7:44
